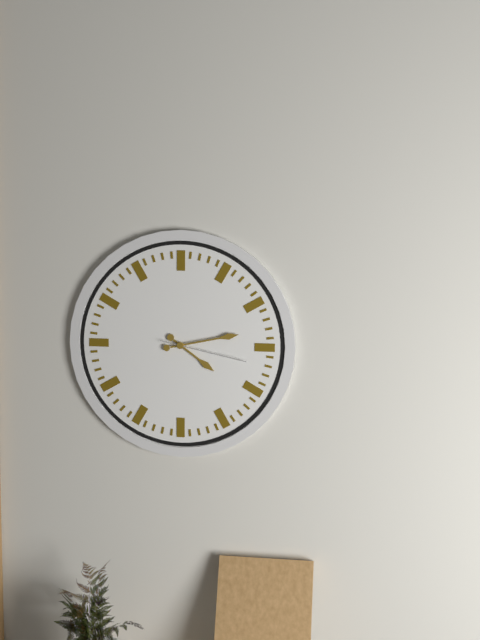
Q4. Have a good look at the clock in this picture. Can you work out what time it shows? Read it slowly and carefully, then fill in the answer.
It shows 4:13:17
